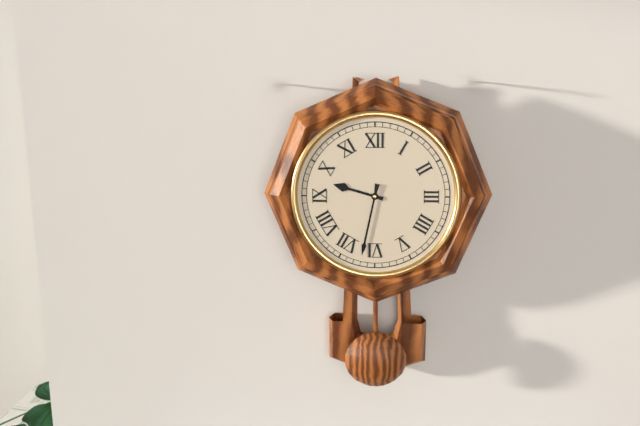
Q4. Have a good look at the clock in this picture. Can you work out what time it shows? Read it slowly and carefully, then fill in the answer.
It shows 9:32
